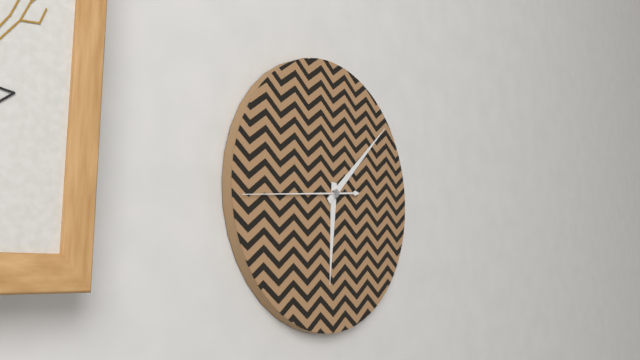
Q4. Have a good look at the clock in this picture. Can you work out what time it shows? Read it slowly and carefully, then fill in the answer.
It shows 6:08:44
